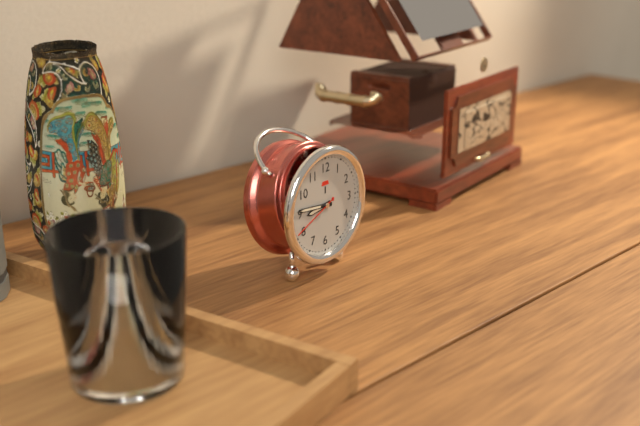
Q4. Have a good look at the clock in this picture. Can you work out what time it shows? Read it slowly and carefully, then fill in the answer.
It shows 8:46:41
